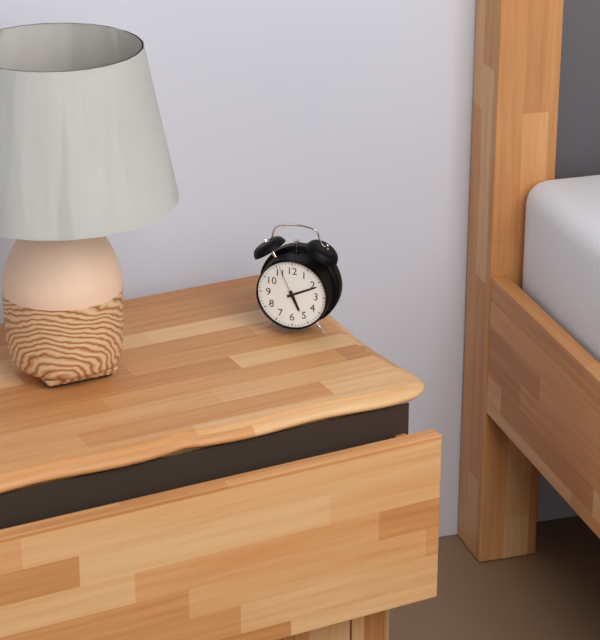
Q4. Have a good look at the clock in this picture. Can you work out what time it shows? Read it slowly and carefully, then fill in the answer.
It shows 5:11
